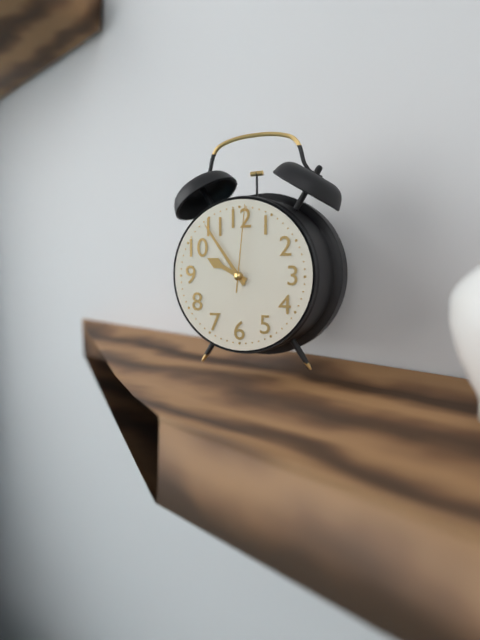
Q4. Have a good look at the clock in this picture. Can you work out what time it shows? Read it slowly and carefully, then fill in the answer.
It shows 9:54:01
